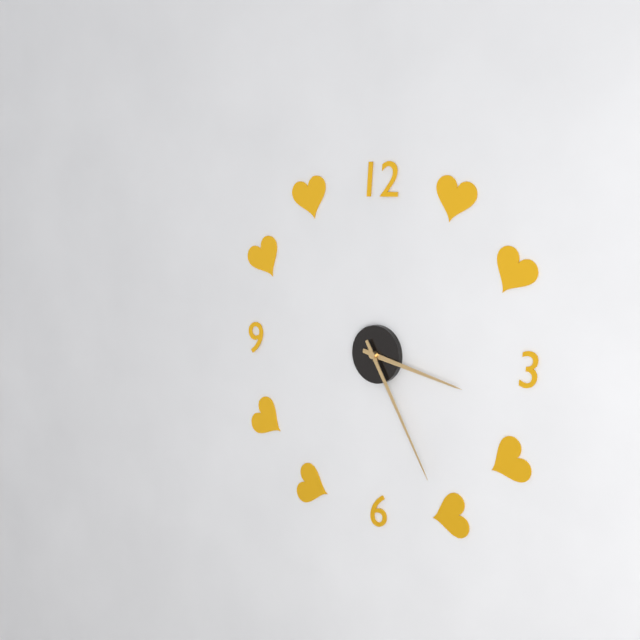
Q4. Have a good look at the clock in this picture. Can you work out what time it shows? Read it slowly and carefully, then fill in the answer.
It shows 3:25
